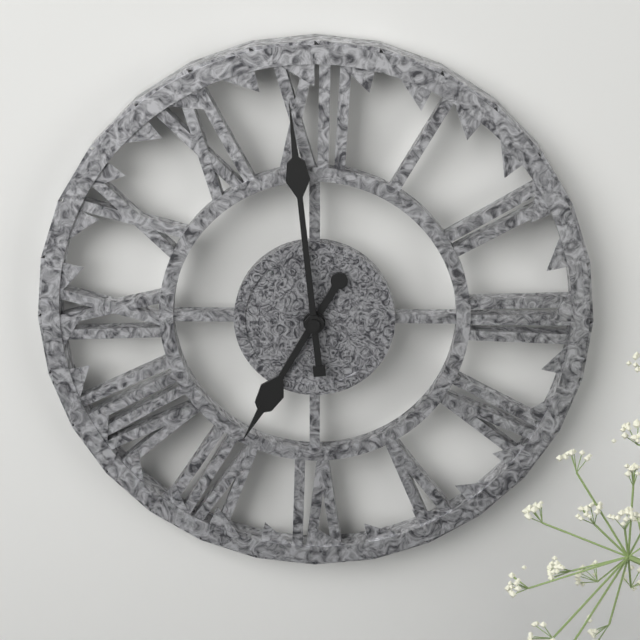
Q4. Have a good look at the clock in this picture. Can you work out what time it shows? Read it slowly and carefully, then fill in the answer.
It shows 6:59
